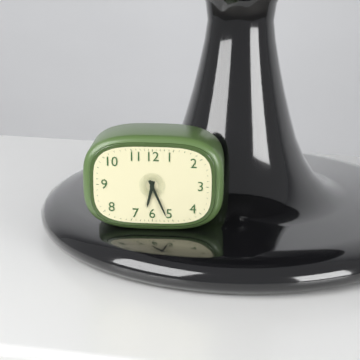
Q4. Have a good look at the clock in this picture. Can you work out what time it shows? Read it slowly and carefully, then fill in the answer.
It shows 6:26
